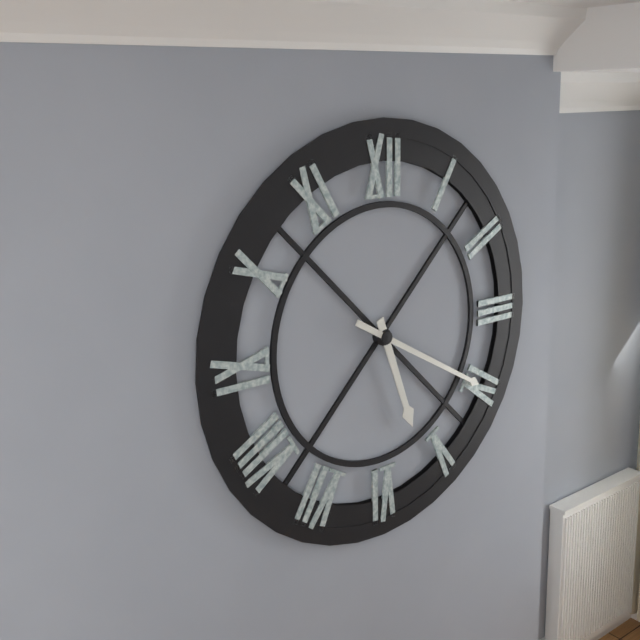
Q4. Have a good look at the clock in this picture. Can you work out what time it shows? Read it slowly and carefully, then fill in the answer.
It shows 5:20
